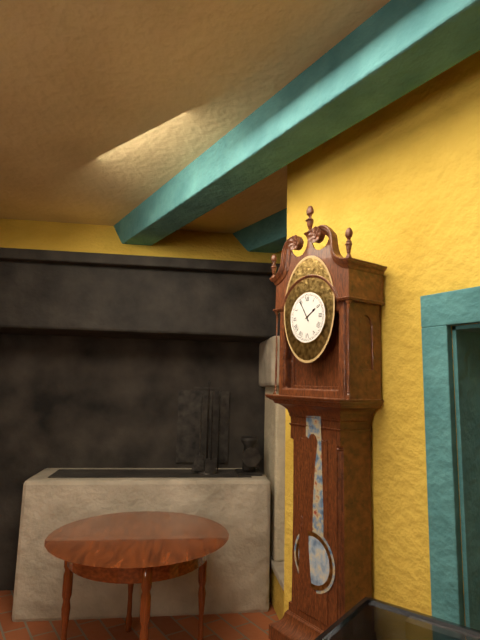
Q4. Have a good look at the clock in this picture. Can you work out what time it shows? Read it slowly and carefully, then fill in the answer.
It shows 1:55
